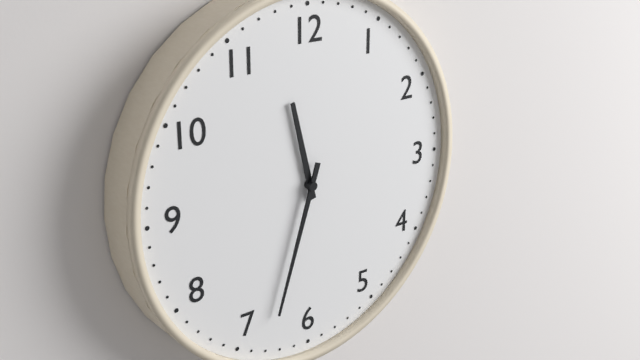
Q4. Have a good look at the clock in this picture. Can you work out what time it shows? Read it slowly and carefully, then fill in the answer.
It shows 11:33
